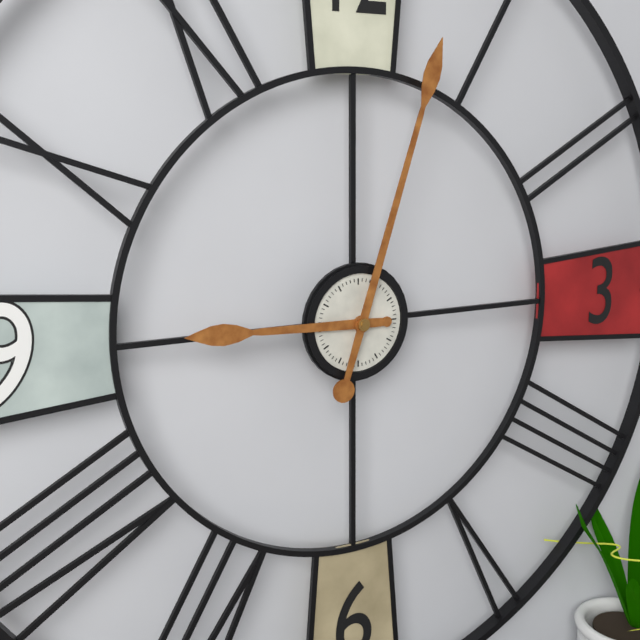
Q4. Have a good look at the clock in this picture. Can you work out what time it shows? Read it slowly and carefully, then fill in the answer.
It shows 9:03
